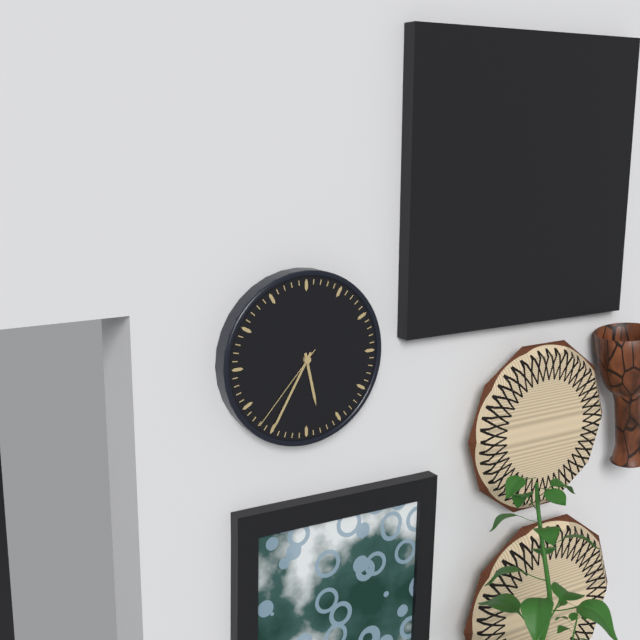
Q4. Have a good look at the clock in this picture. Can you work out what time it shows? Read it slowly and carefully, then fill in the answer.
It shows 5:35:37
